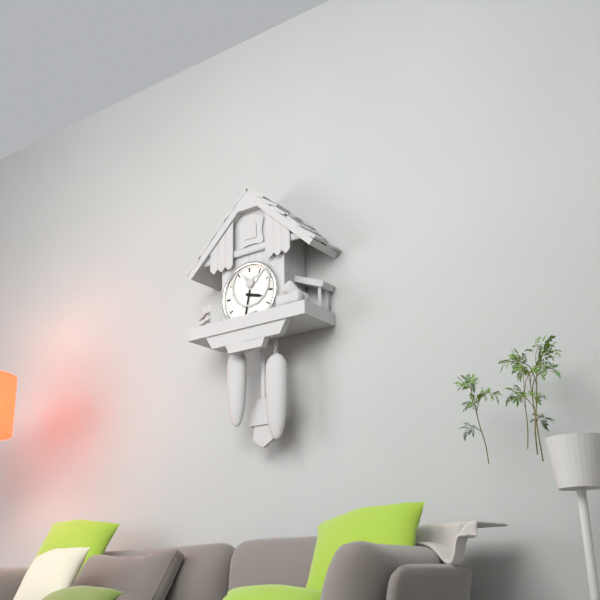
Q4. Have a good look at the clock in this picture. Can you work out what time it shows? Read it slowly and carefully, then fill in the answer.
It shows 3:32
